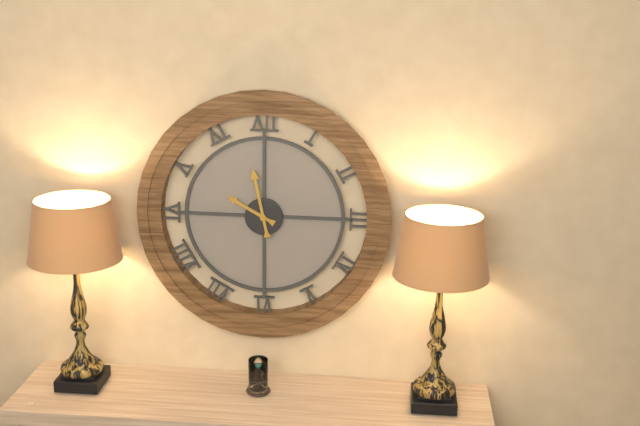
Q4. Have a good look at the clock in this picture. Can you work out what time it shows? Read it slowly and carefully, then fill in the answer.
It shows 9:58
